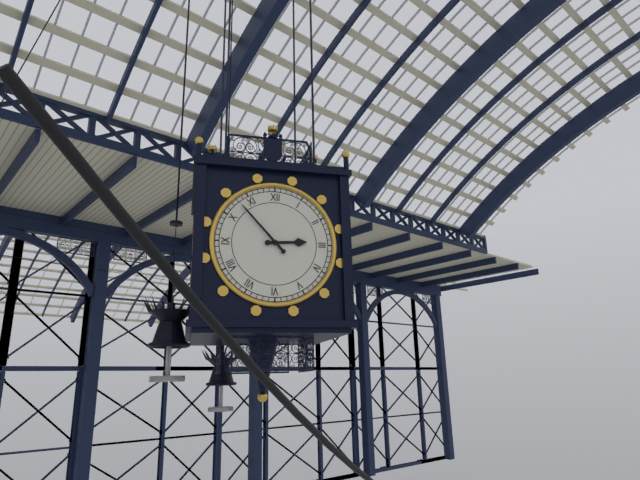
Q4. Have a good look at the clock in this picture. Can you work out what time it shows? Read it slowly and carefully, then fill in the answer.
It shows 2:53
